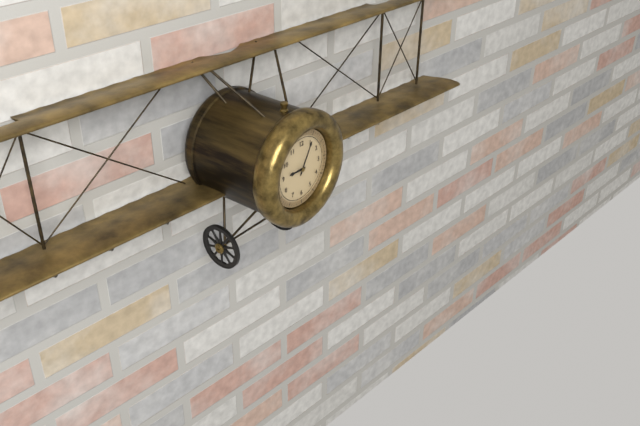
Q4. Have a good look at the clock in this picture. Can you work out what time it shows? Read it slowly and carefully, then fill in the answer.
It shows 9:05
